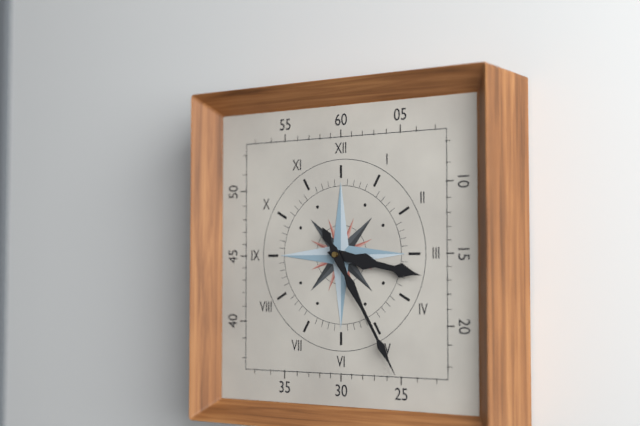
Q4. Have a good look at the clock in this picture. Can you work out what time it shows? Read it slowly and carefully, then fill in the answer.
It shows 3:25
